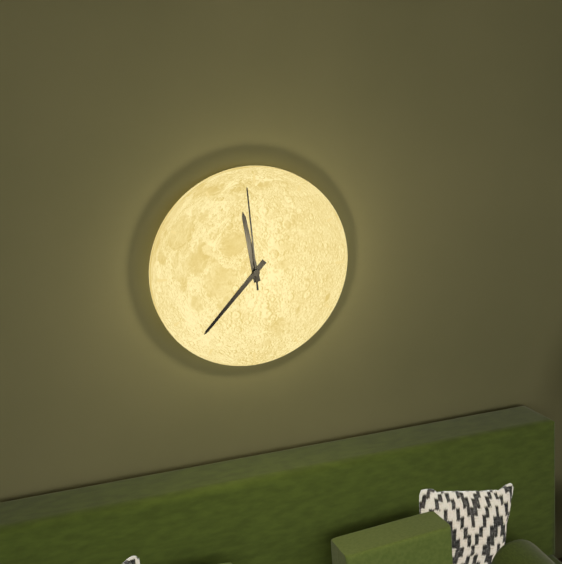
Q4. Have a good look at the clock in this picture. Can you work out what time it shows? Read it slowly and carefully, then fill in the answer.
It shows 11:37:59
